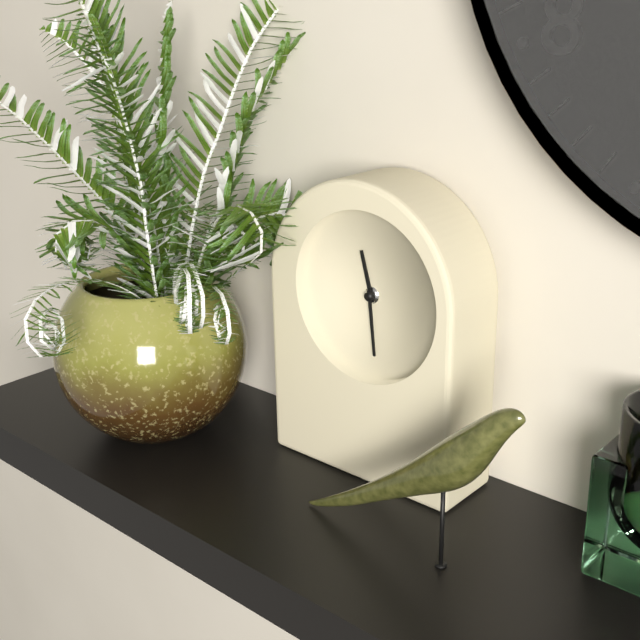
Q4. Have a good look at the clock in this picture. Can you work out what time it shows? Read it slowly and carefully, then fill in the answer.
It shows 11:29
